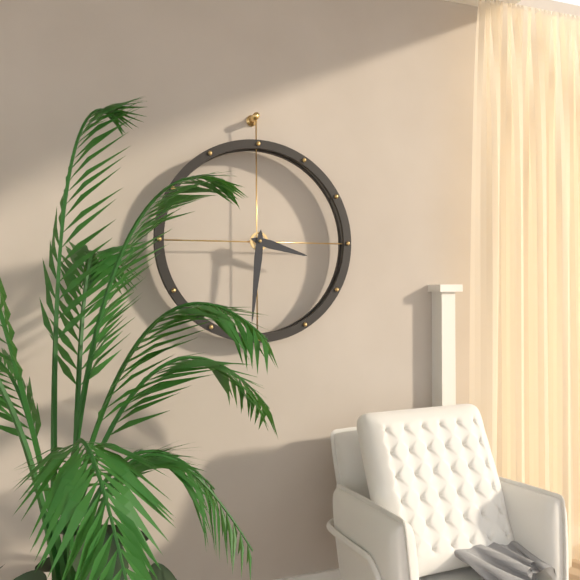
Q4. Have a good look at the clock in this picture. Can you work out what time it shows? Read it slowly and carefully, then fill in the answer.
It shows 3:31
